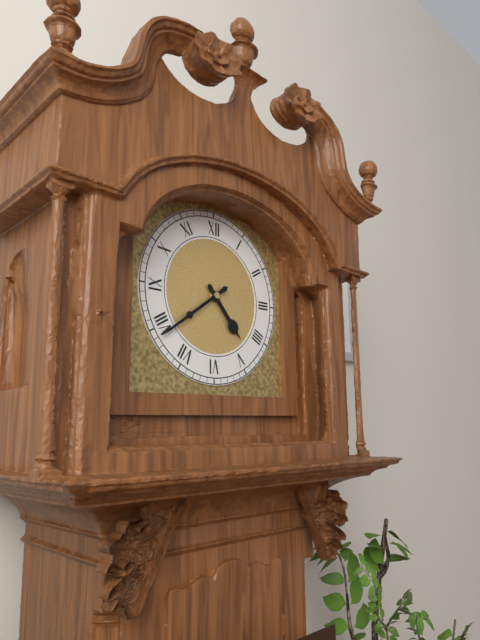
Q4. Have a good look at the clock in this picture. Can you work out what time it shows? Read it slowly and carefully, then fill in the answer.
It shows 4:39
